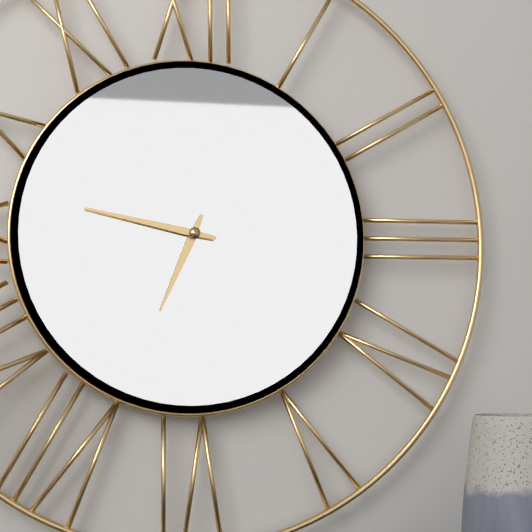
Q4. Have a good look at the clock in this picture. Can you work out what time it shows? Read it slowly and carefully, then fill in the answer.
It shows 6:47
